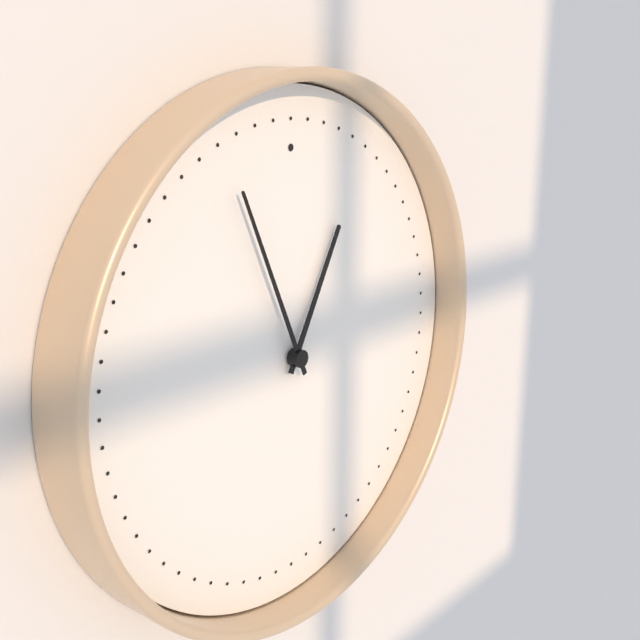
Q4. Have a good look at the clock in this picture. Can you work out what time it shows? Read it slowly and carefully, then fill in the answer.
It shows 12:56
